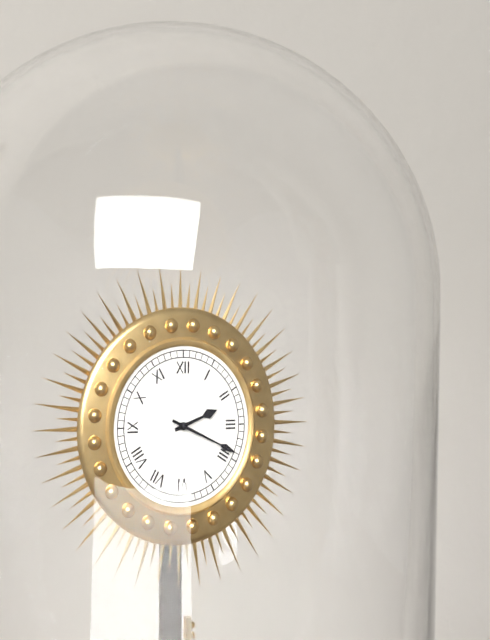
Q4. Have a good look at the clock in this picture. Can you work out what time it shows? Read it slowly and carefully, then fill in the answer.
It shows 2:19
